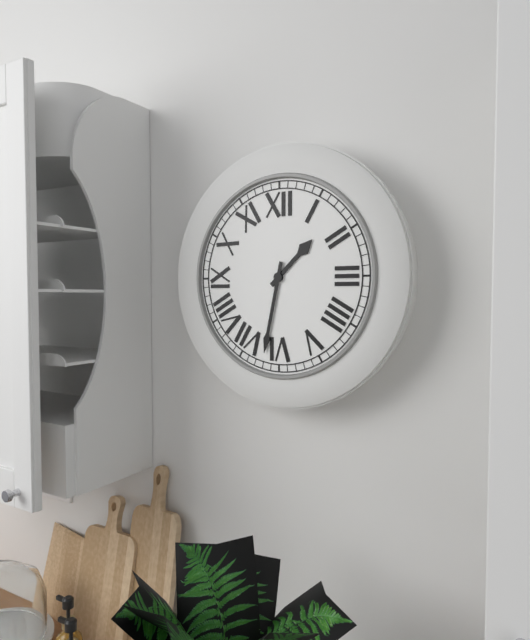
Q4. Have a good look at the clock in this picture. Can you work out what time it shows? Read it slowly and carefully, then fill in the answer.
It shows 1:32
